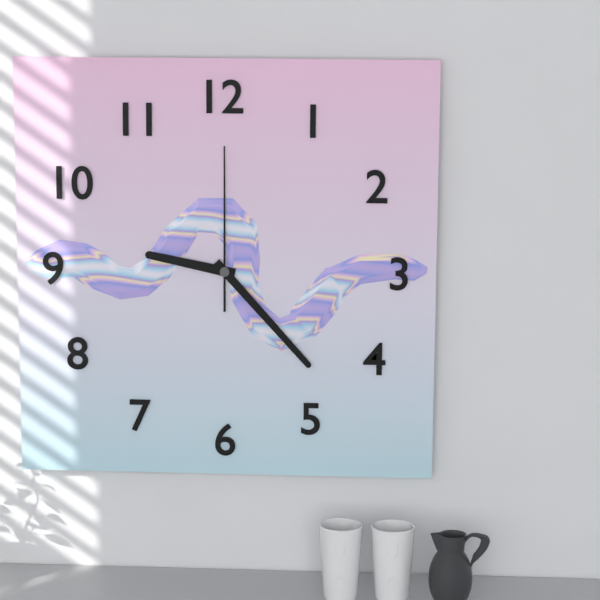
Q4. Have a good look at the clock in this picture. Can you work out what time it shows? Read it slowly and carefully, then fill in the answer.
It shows 9:23:00
